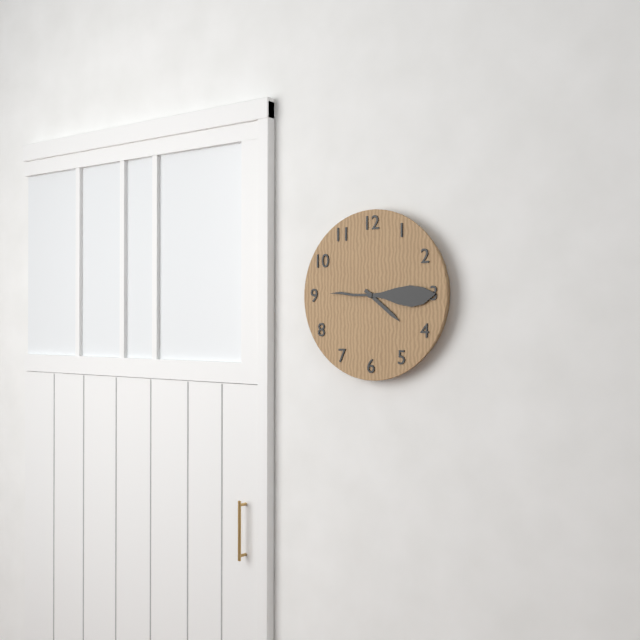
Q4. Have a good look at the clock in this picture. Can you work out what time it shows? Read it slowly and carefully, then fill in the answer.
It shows 4:15
